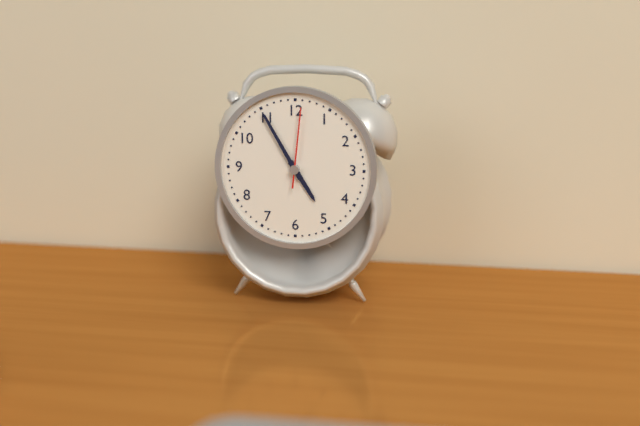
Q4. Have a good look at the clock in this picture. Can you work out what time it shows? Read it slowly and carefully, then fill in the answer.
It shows 4:55:01
